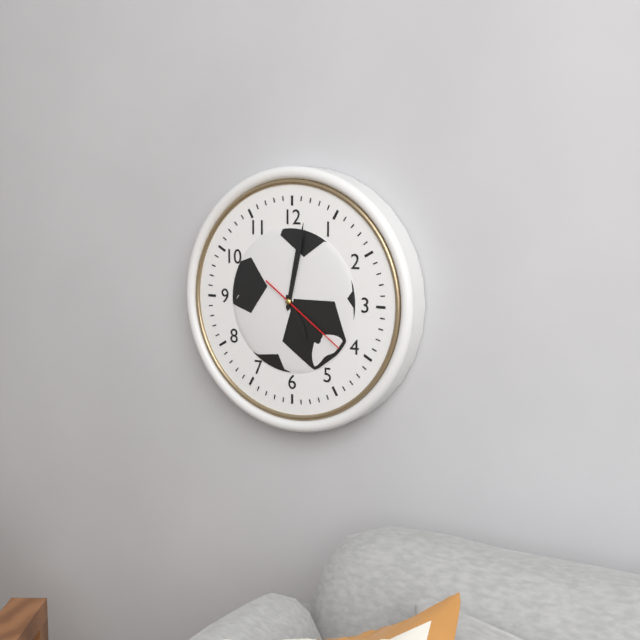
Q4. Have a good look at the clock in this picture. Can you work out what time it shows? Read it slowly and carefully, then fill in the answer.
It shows 5:02:21
